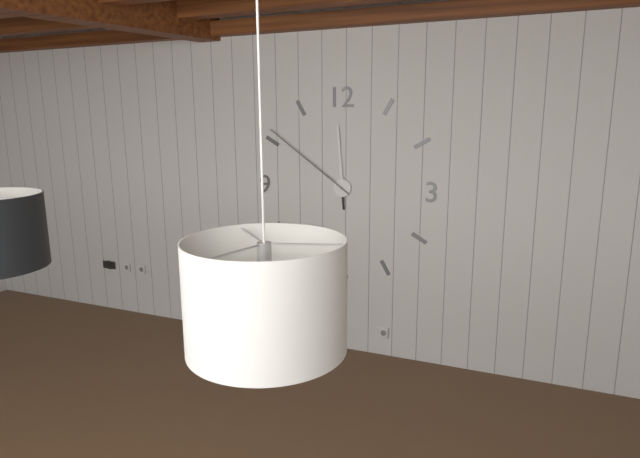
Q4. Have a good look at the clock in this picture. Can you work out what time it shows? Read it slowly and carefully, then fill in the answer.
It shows 11:51
